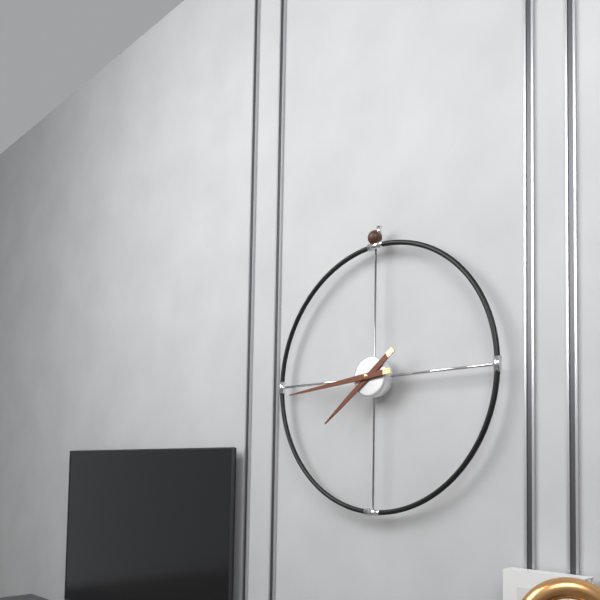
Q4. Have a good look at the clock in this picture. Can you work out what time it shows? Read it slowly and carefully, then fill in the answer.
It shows 7:44
